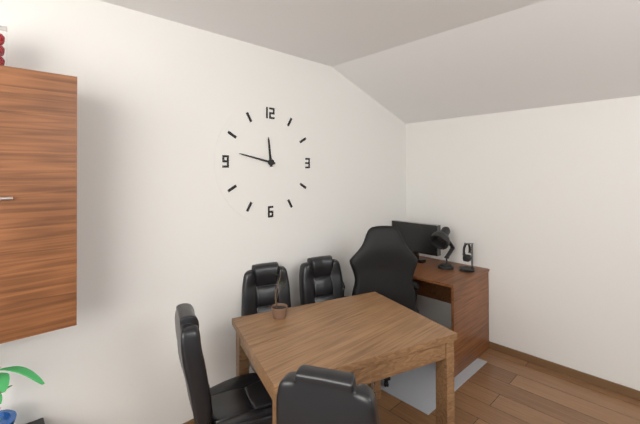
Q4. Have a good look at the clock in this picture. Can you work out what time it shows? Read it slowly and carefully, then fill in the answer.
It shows 11:47
